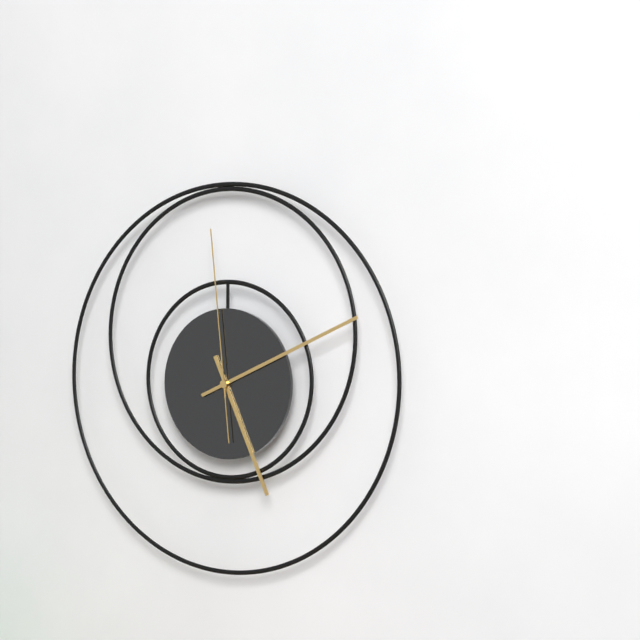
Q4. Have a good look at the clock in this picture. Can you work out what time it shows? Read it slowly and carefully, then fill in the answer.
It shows 5:11:59
